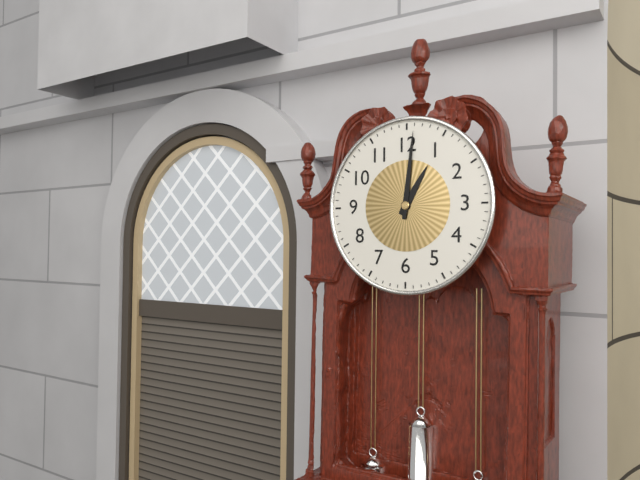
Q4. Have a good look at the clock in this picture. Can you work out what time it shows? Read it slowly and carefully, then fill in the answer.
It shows 1:01
